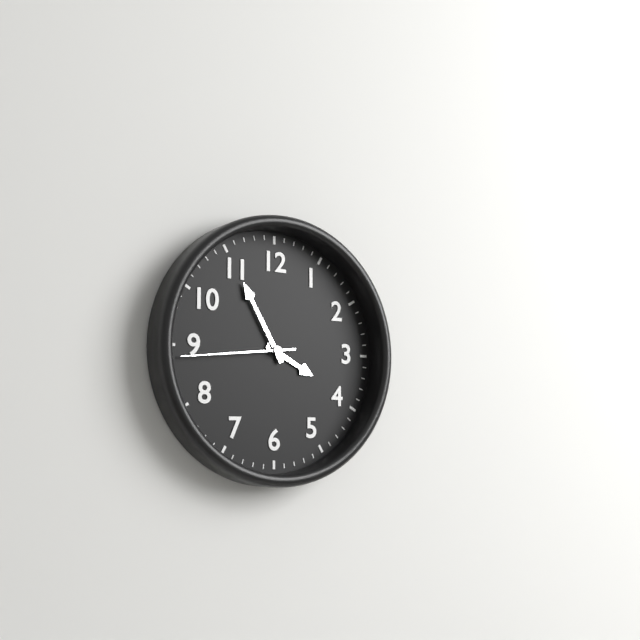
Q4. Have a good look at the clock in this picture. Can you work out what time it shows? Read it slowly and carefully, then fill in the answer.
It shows 3:55:44
